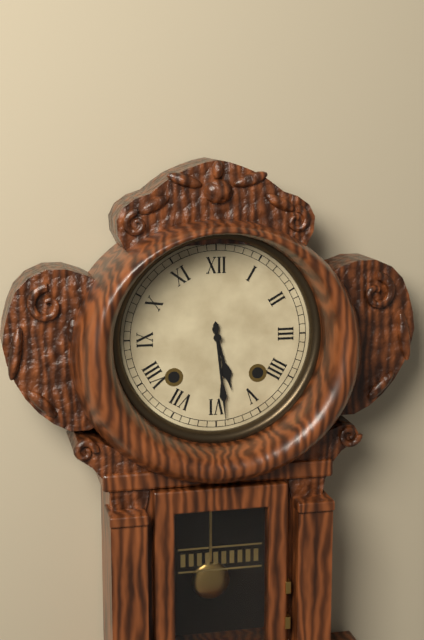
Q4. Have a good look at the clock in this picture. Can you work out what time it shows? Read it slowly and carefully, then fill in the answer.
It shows 5:29
